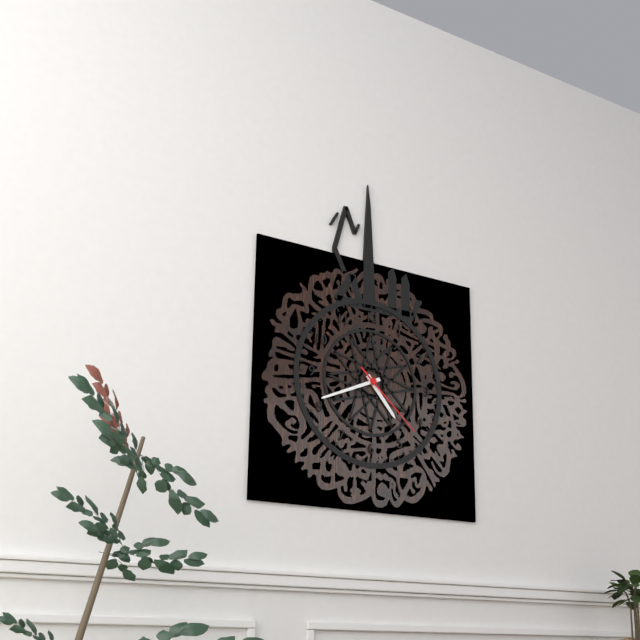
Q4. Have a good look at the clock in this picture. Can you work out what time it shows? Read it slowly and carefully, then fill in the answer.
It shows 4:41:22
